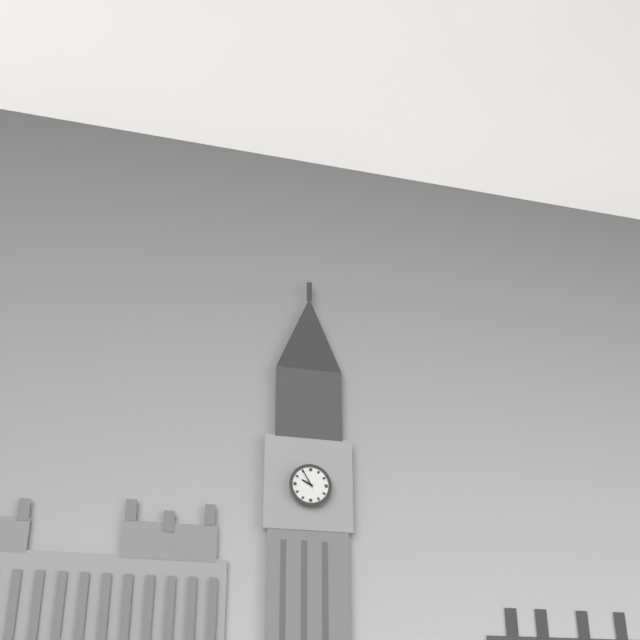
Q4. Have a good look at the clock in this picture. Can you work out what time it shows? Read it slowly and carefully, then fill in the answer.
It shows 9:55
